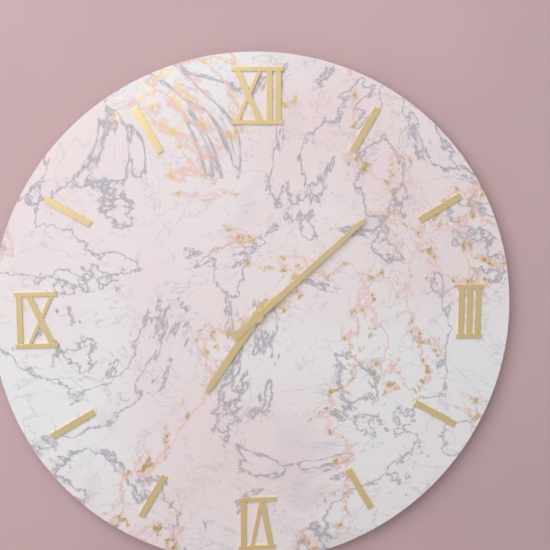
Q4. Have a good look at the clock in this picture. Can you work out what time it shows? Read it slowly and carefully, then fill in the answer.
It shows 7:08
